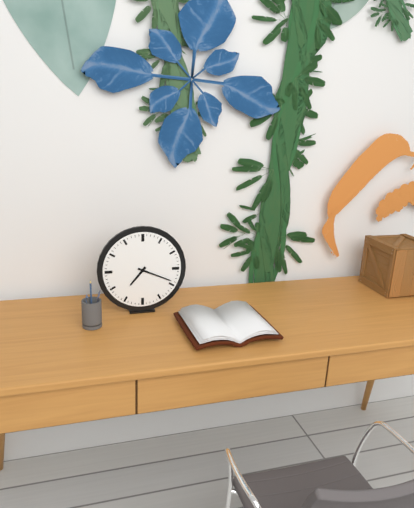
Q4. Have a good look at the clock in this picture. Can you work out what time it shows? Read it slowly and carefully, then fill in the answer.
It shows 7:19
